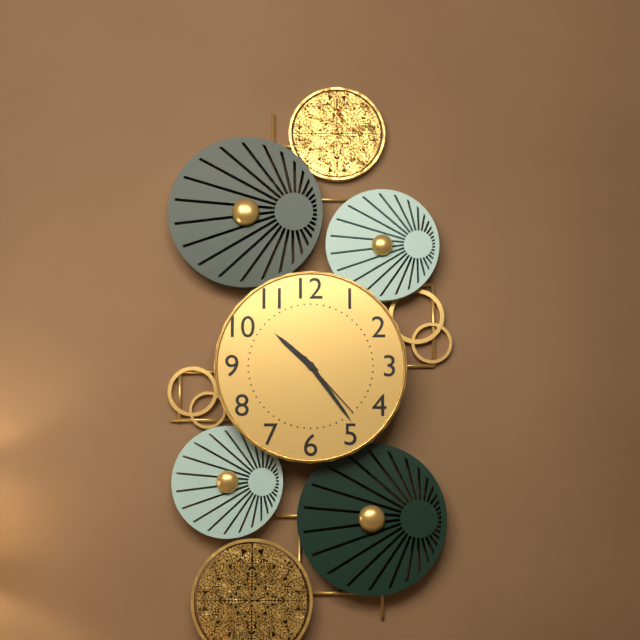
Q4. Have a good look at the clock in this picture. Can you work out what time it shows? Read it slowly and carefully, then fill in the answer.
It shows 10:24:23
